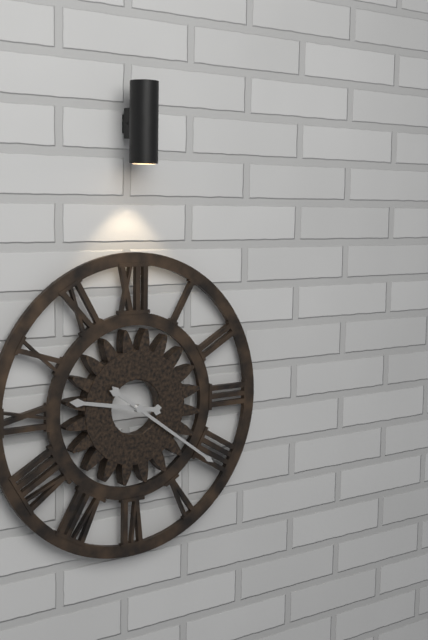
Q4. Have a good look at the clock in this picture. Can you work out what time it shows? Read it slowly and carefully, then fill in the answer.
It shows 9:21
